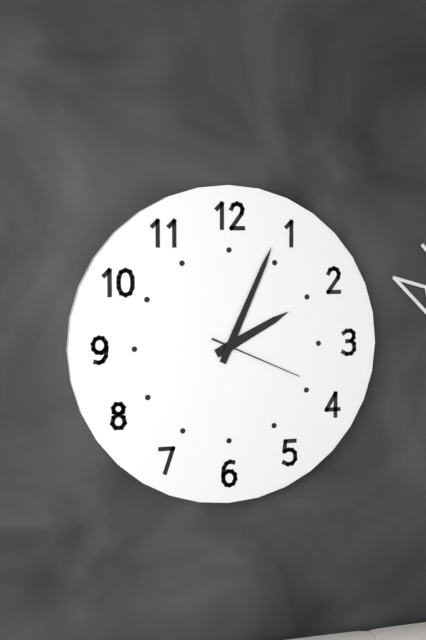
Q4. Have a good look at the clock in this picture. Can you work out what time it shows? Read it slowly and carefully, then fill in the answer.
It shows 2:04:19
